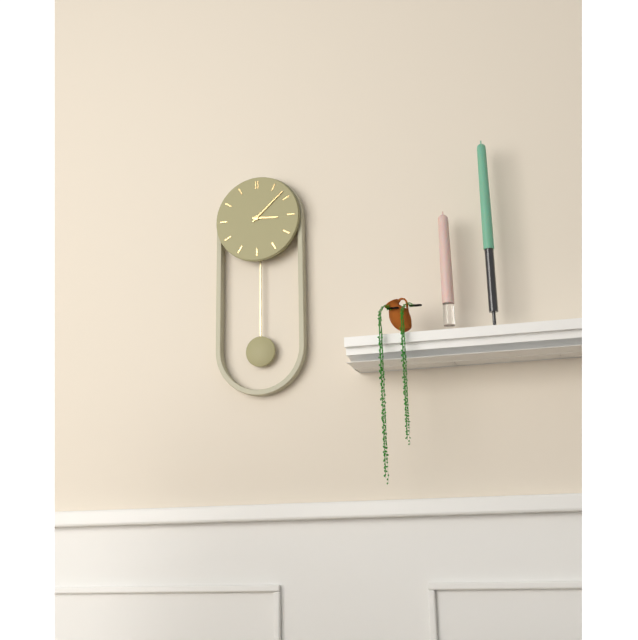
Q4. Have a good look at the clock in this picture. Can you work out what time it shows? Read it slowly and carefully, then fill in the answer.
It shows 3:08
